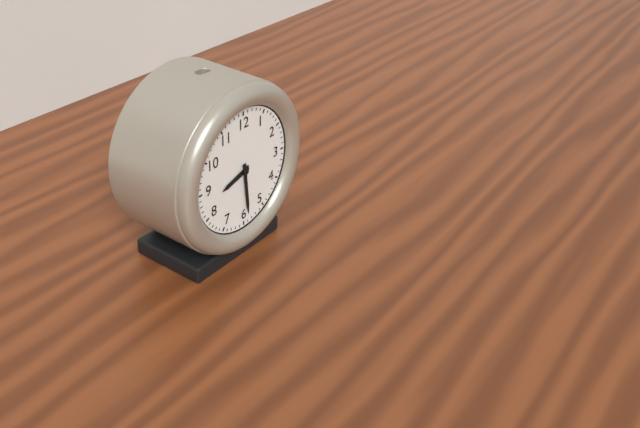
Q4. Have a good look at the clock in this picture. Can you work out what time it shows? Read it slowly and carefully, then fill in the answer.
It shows 8:29
